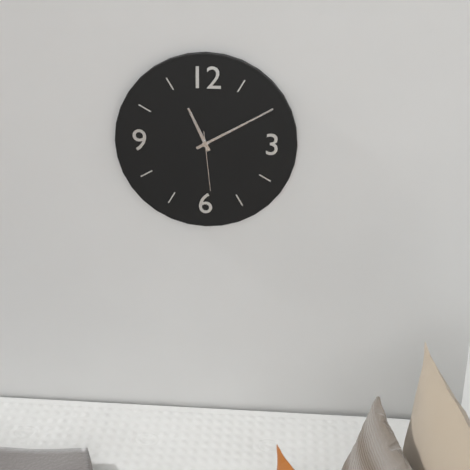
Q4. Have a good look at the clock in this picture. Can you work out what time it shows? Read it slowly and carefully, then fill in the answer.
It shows 11:10:29
